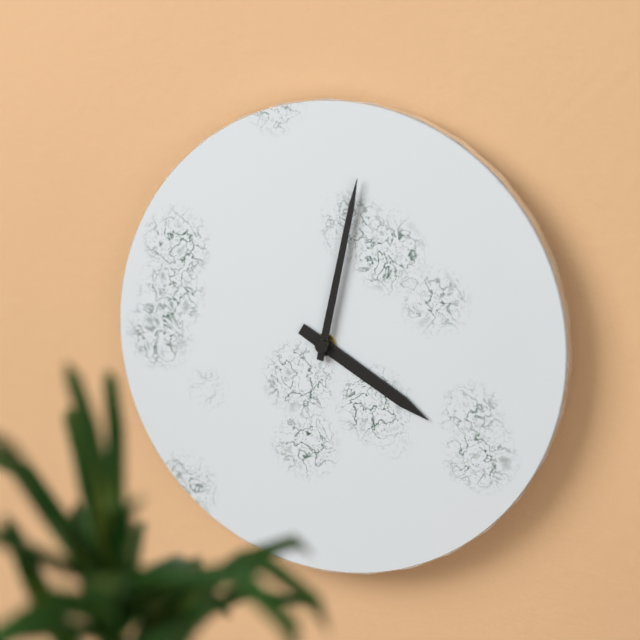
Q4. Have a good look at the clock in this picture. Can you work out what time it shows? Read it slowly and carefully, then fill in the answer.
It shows 4:02
